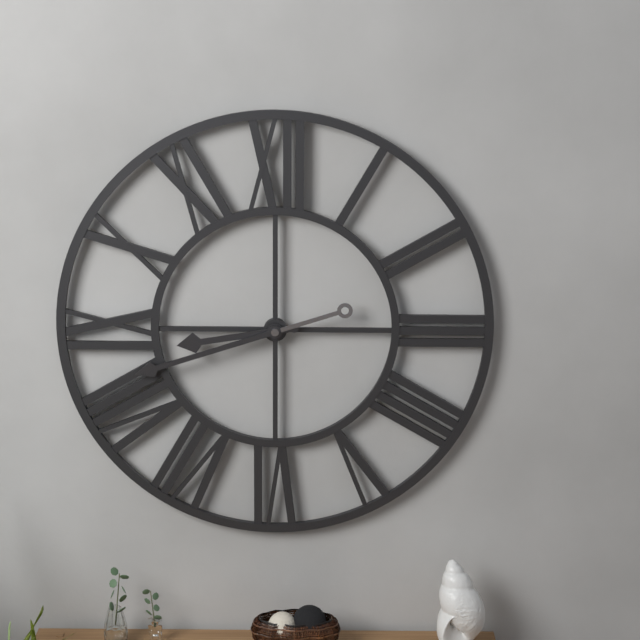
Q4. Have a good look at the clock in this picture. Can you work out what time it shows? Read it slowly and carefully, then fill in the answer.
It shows 8:42
